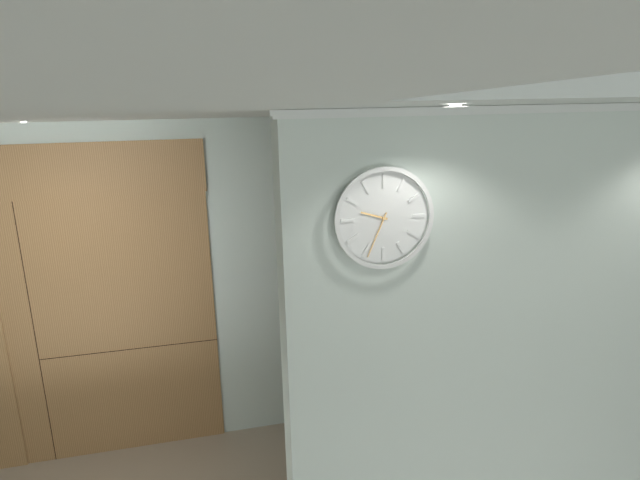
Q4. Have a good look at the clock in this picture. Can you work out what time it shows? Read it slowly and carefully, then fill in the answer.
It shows 9:34
